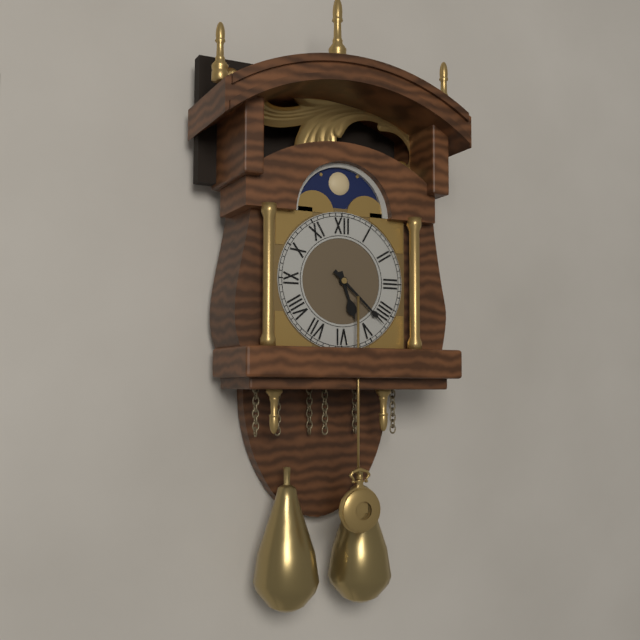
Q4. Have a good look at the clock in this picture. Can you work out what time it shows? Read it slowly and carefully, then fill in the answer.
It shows 5:22
